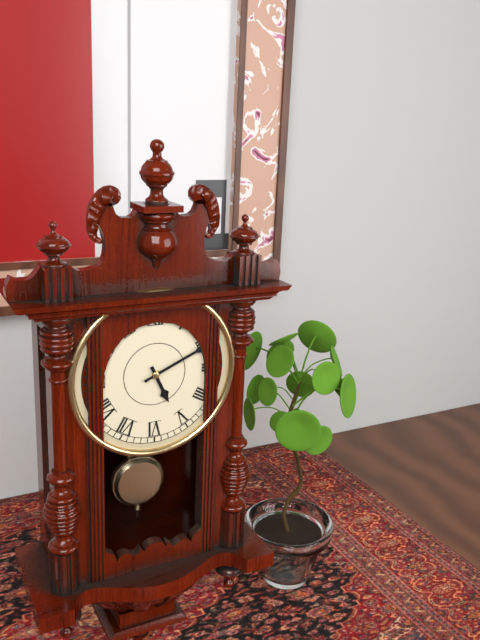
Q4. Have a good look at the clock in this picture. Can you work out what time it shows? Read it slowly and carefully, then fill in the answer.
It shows 5:11
